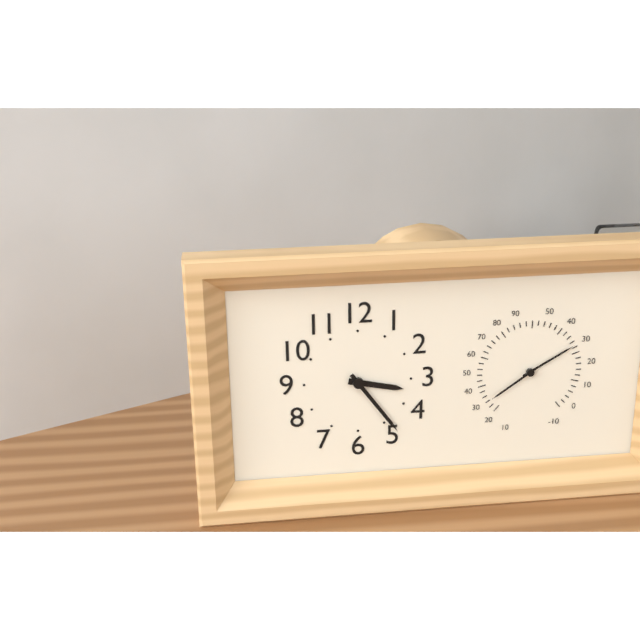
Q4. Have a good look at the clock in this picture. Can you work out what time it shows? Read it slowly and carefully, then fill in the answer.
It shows 3:24
